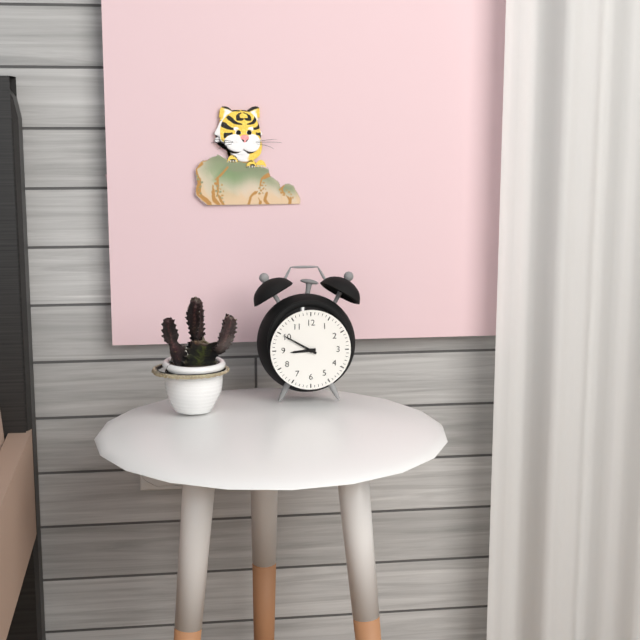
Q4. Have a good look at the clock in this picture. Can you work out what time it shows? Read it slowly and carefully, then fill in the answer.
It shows 8:50
